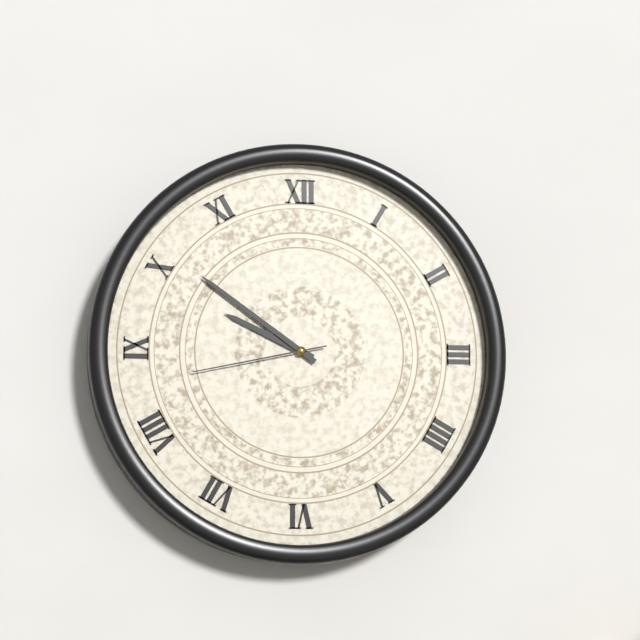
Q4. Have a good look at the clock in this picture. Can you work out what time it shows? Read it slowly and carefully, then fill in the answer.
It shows 9:51:43
